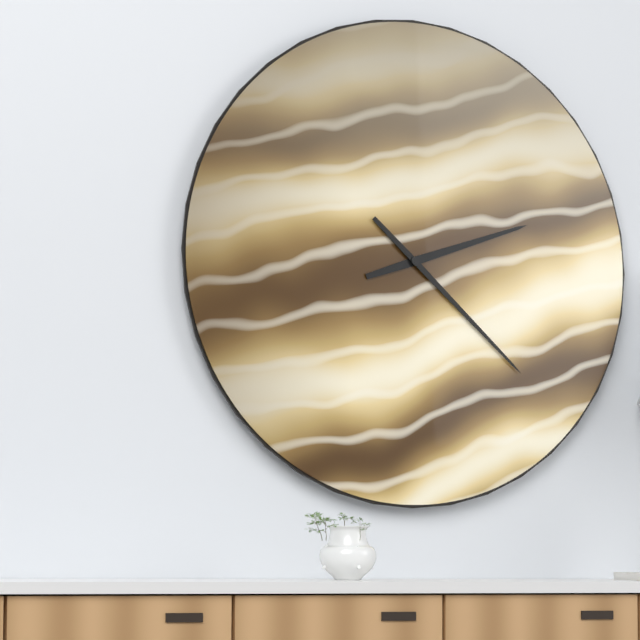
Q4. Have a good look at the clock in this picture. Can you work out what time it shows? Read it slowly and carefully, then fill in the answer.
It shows 2:22
